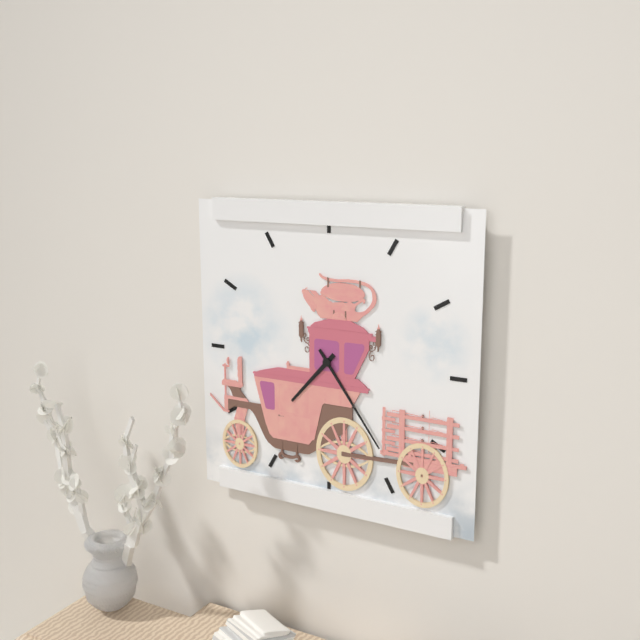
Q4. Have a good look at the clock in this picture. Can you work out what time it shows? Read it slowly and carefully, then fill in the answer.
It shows 7:24
